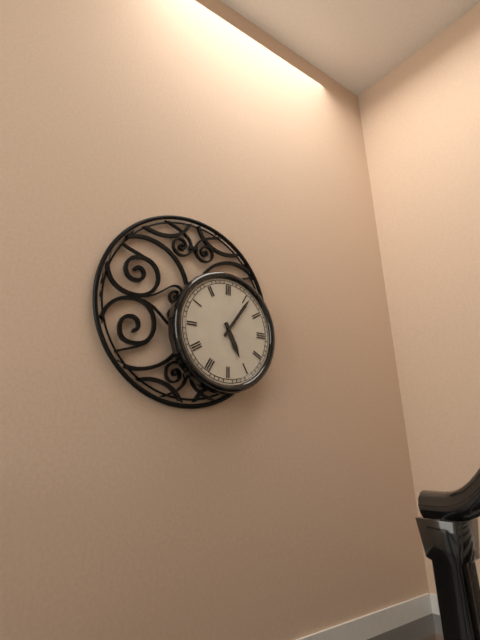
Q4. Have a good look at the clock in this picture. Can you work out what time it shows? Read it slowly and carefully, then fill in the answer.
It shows 5:06
